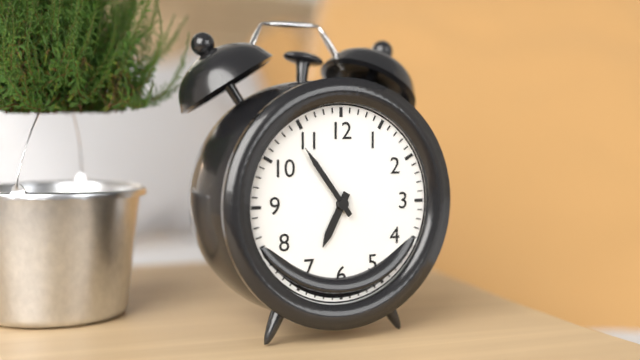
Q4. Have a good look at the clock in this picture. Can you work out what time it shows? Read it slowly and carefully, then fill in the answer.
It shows 6:54
